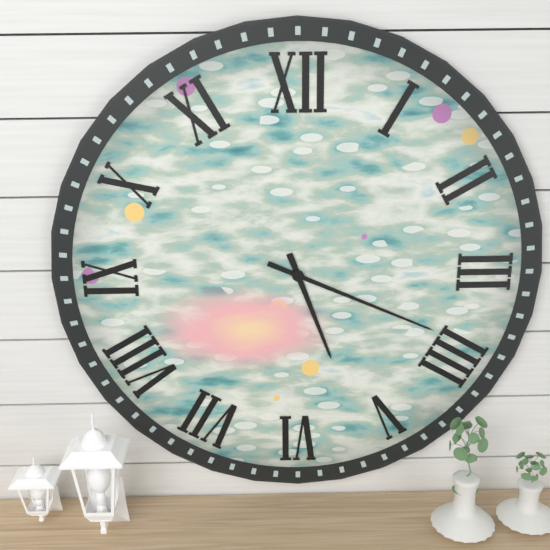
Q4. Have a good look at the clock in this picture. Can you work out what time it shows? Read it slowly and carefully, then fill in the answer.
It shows 5:19
